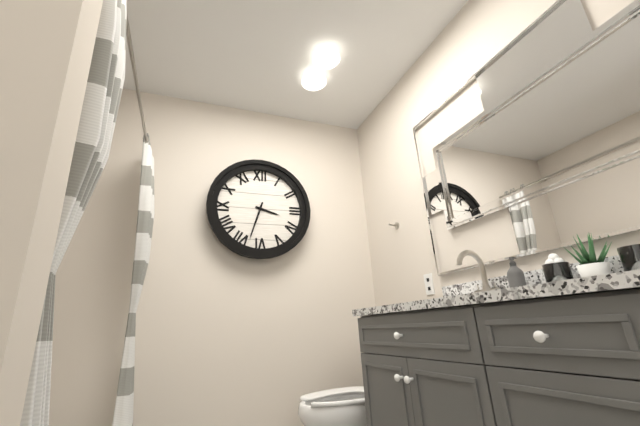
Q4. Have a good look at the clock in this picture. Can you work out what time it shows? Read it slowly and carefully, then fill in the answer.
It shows 3:33
